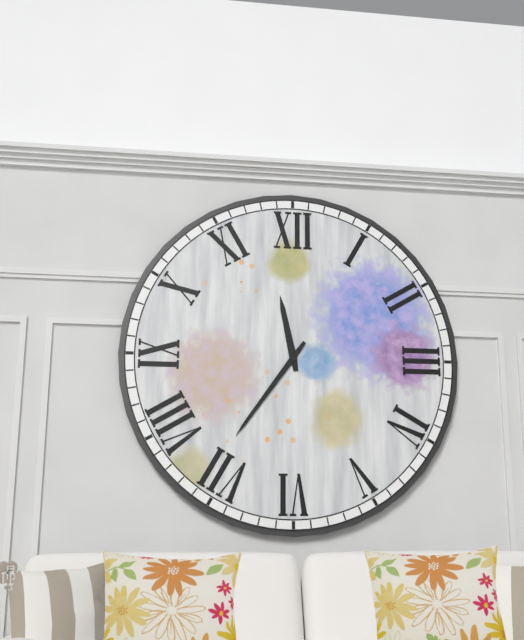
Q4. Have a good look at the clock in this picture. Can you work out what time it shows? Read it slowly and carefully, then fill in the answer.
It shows 11:36
